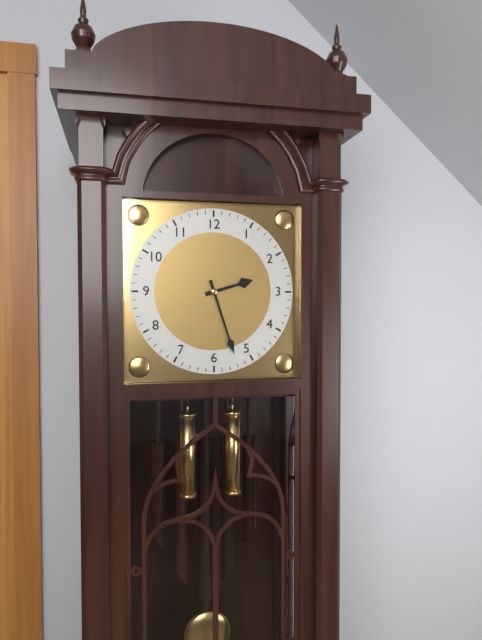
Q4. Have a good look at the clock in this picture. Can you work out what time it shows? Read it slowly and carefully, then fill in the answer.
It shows 2:27
